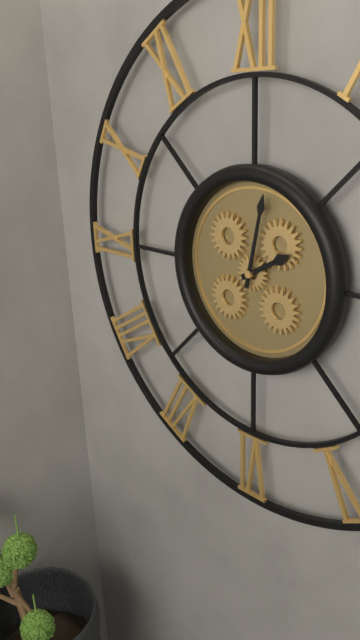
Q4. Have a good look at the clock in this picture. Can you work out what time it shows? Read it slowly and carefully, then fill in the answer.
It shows 2:02
